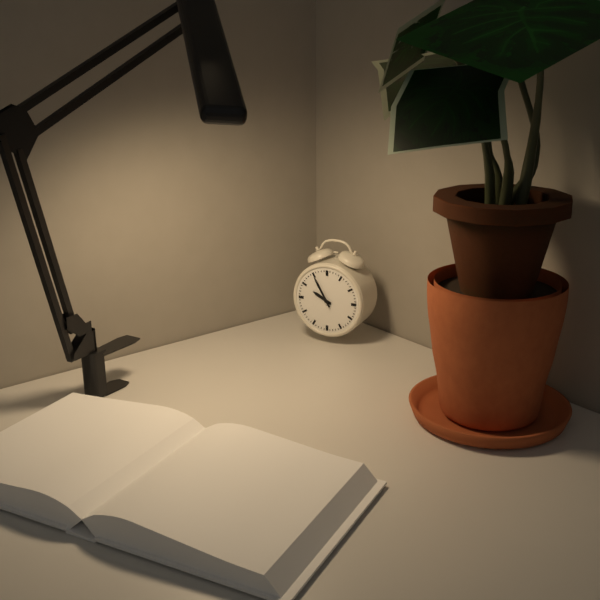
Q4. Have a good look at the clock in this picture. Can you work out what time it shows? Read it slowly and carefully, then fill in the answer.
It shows 9:55
